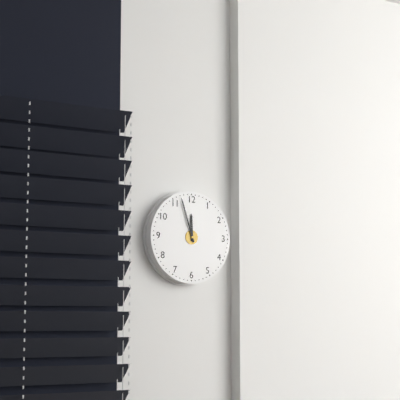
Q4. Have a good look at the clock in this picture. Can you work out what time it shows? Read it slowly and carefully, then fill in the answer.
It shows 11:57
